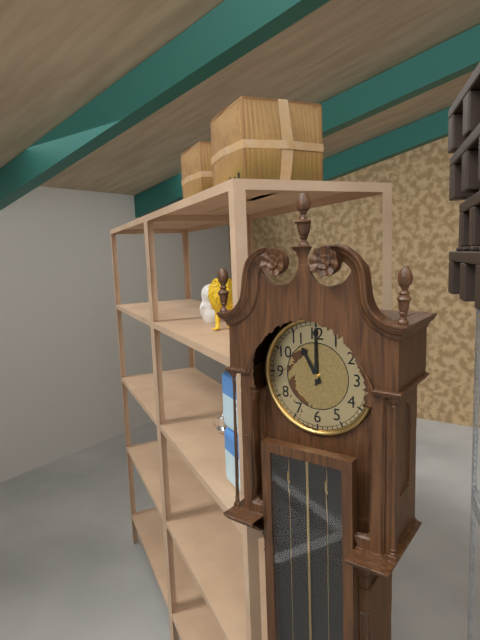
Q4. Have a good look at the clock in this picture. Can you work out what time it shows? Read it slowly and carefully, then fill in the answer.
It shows 11:00
